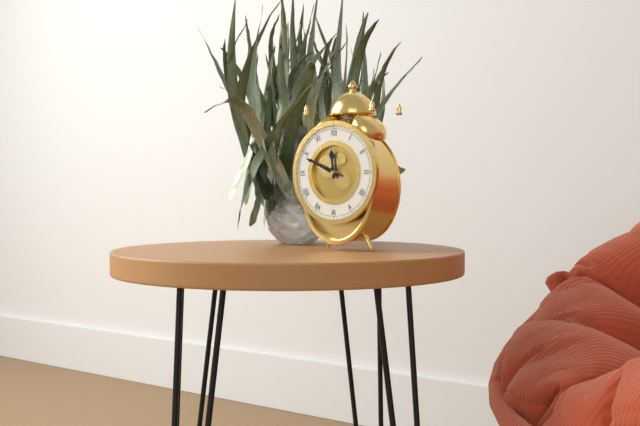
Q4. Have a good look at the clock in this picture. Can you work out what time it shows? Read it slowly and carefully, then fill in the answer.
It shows 11:49
